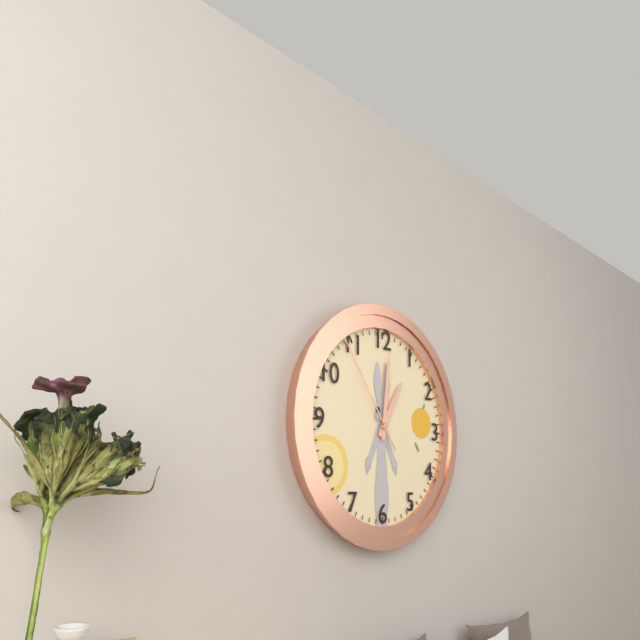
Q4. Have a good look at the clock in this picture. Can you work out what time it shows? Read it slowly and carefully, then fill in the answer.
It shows 1:01:54
